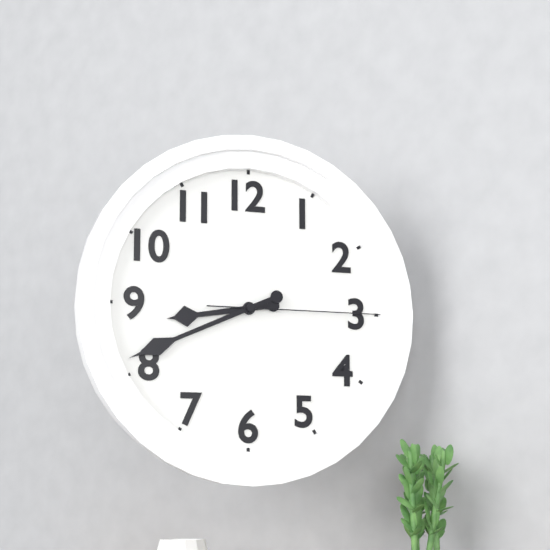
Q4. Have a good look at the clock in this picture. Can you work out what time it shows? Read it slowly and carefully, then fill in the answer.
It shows 8:41:15
